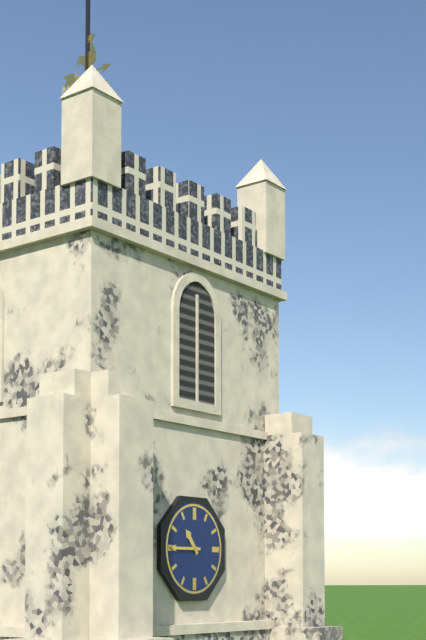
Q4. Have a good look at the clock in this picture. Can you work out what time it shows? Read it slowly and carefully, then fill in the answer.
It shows 10:45
